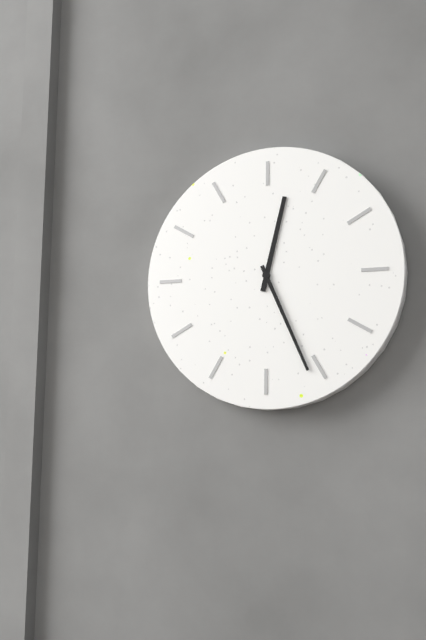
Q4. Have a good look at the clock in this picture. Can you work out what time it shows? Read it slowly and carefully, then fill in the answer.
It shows 12:26
